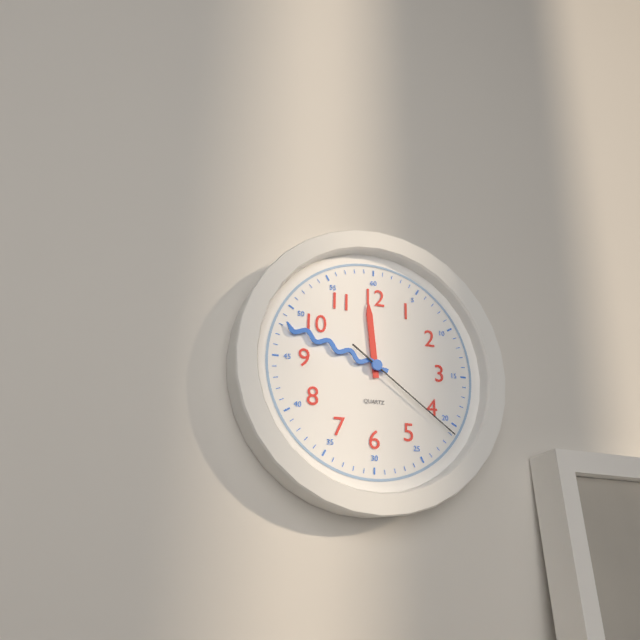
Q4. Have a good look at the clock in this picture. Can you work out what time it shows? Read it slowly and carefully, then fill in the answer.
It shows 11:48:21
